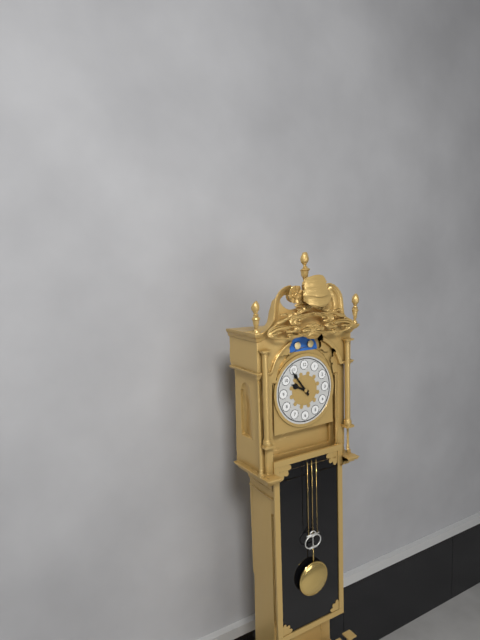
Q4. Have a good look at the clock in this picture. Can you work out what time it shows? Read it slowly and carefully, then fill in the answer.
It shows 9:54
